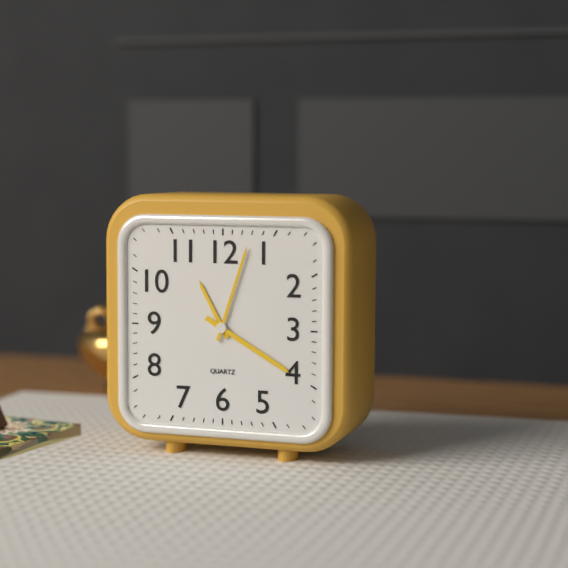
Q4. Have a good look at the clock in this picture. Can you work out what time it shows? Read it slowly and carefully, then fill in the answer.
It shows 11:03:20
